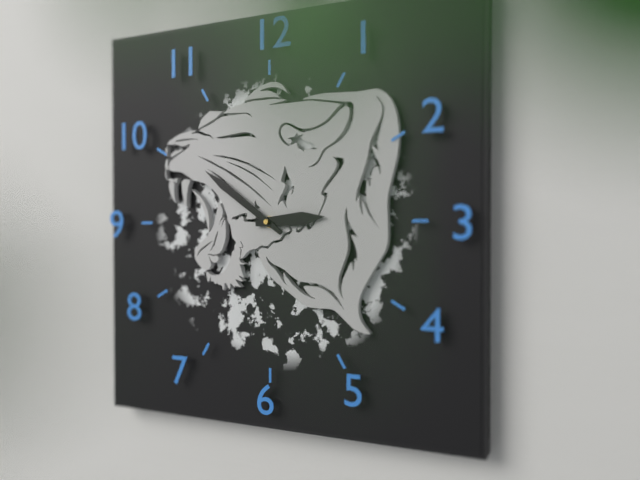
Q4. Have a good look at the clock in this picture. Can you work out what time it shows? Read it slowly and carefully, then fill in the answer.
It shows 2:51
